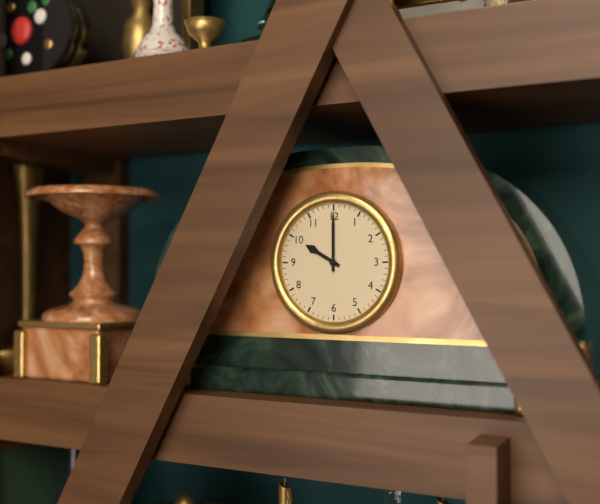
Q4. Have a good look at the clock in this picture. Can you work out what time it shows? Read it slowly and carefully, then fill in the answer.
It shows 10:00
